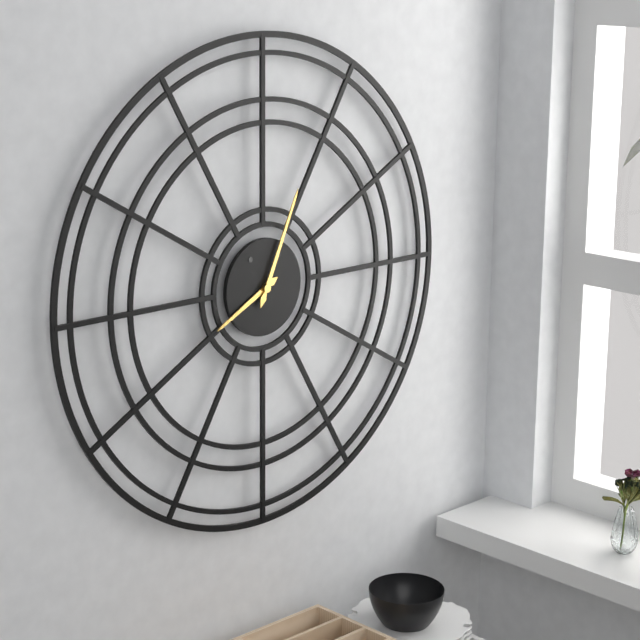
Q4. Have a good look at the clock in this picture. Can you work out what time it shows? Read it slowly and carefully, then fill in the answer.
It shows 8:04
